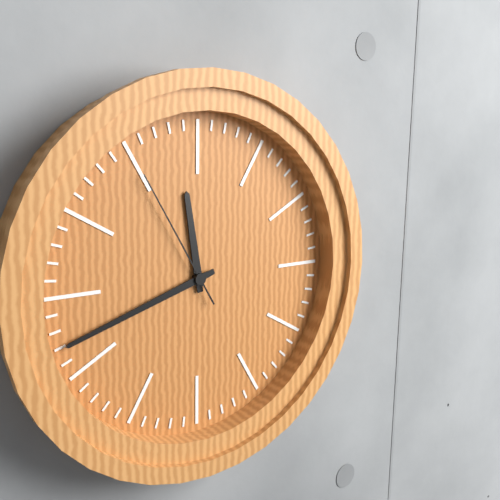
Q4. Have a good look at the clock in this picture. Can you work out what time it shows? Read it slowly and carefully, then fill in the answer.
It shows 11:42:55
